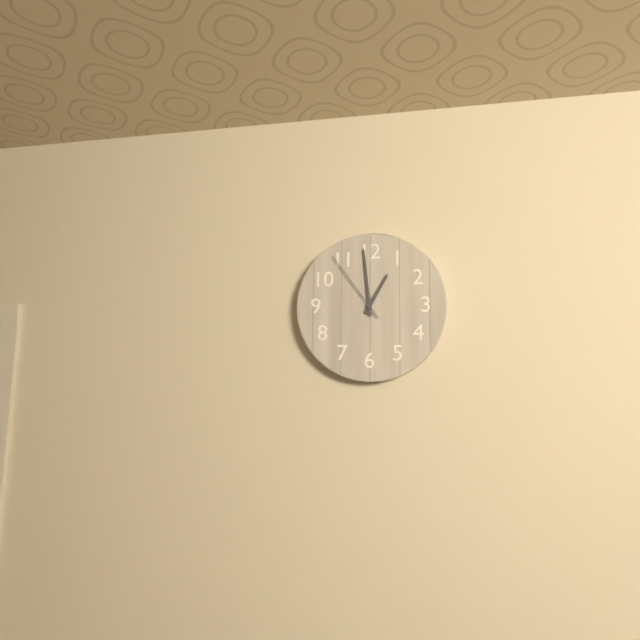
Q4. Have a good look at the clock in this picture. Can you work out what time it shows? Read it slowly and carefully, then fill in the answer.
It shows 12:59:54
